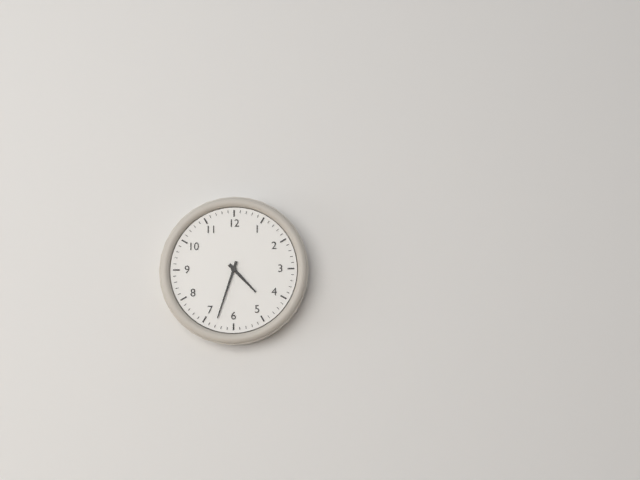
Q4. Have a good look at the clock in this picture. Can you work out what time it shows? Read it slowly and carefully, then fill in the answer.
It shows 4:33
